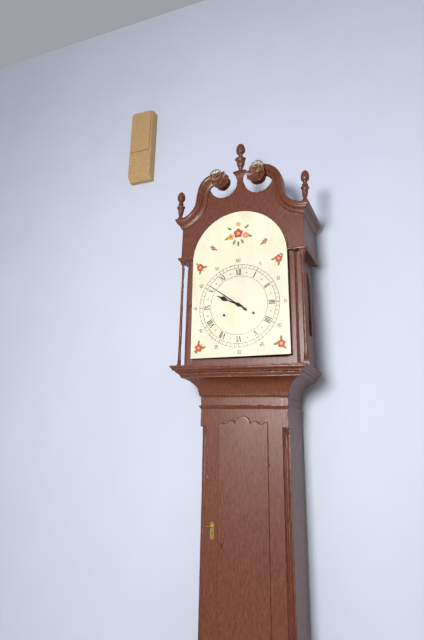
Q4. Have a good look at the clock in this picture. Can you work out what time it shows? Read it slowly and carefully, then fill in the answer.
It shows 9:51
